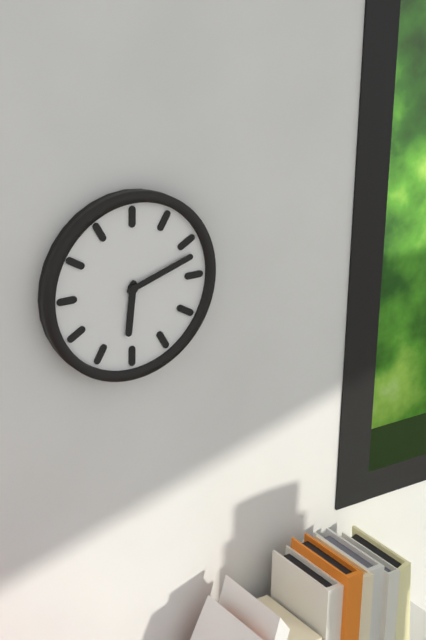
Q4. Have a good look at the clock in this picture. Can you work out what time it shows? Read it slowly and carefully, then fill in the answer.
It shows 6:12
